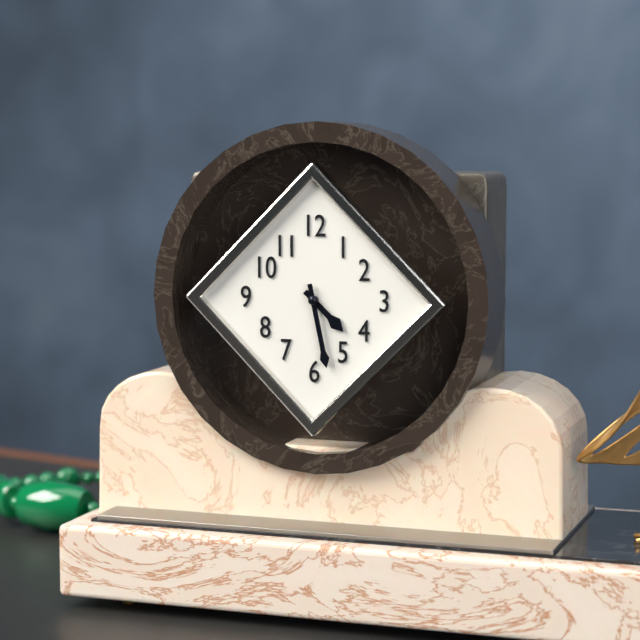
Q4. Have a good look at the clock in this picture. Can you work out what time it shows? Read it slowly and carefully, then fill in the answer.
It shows 4:28
